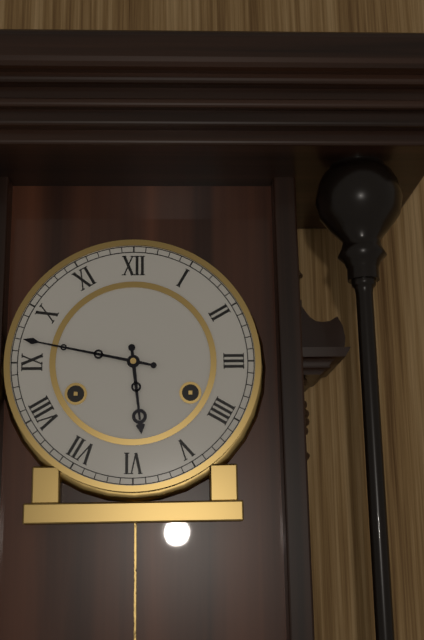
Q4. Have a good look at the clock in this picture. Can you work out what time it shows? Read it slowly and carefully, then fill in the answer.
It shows 5:47
